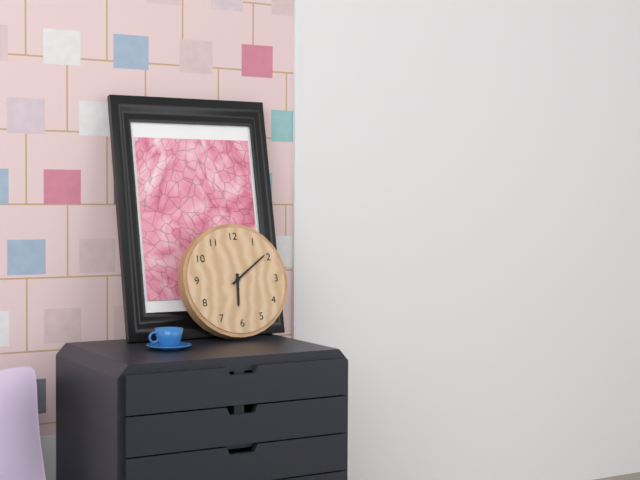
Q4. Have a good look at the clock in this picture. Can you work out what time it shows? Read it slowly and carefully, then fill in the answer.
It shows 6:09
